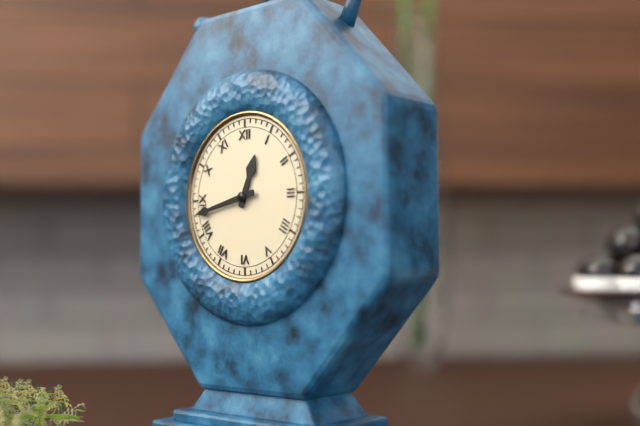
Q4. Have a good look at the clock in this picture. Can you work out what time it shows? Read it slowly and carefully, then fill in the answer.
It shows 12:43
